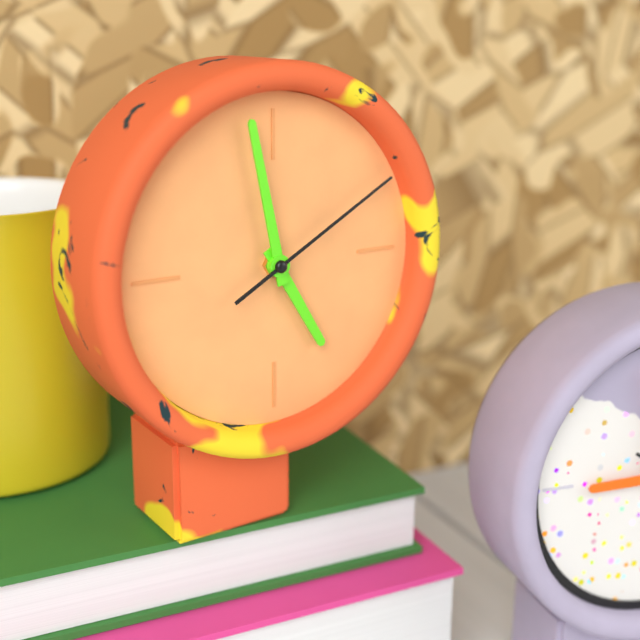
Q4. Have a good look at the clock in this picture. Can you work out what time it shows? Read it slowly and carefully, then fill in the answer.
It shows 4:58:10
